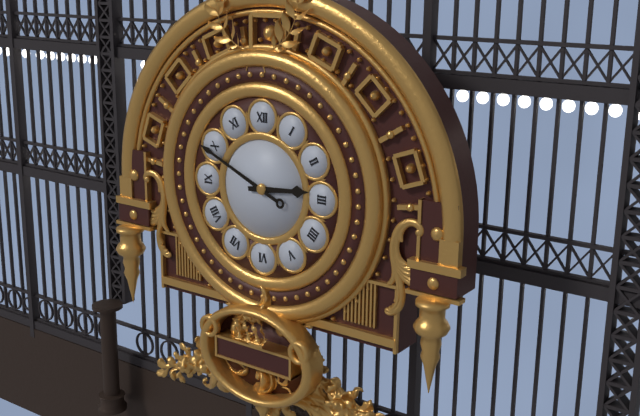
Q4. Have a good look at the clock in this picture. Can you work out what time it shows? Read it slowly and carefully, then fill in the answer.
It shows 2:49
